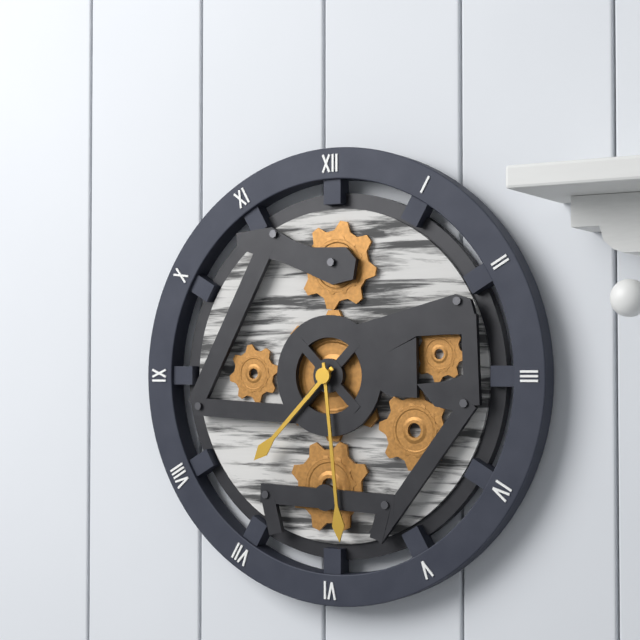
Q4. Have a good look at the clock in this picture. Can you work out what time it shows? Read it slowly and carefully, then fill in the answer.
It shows 7:29
